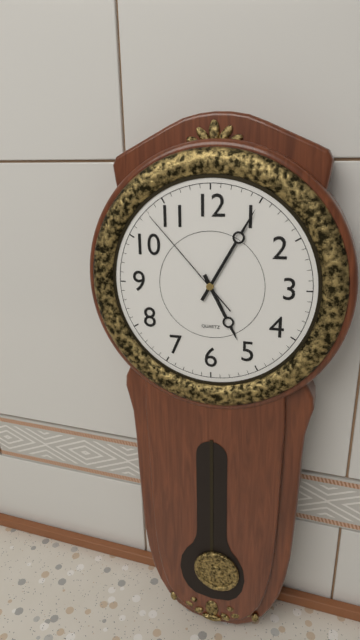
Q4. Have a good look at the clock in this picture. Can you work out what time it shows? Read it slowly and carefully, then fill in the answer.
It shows 5:05:53
